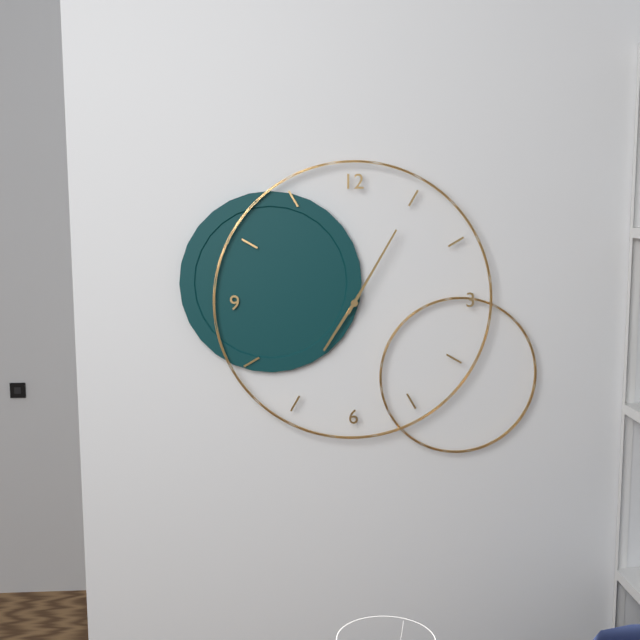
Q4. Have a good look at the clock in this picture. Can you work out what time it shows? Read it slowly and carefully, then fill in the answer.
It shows 7:05
